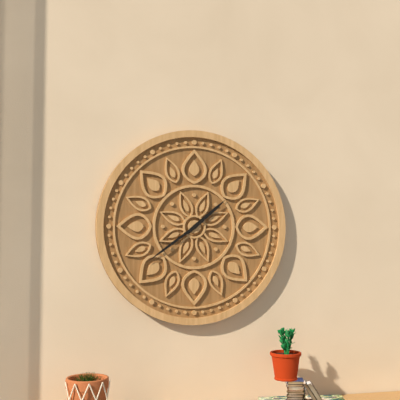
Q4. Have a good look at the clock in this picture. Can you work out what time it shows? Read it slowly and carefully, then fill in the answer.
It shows 1:39
